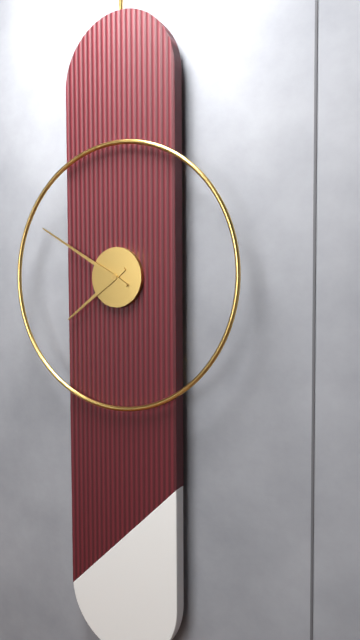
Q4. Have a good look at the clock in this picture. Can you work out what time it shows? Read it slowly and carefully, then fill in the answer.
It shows 7:50
